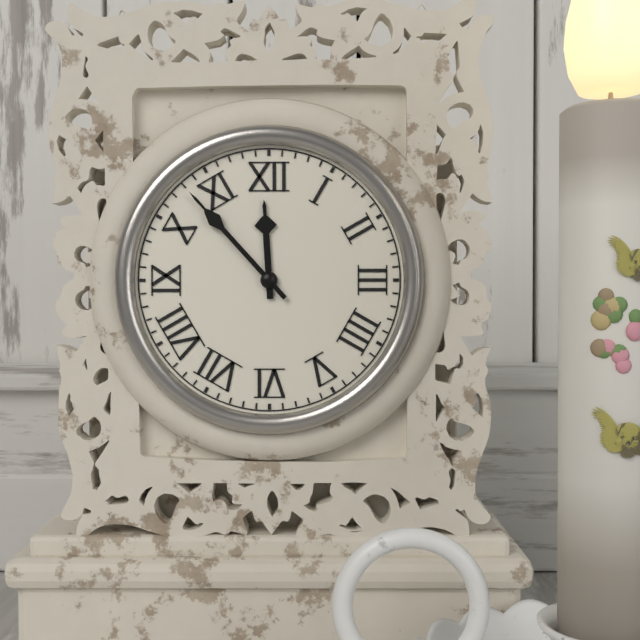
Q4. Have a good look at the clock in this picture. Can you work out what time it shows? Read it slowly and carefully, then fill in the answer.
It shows 11:53
